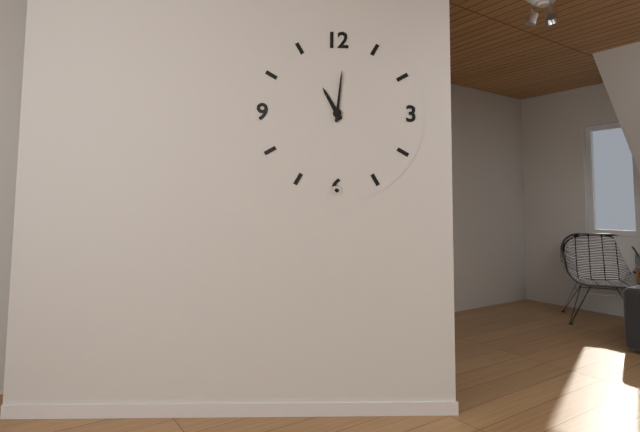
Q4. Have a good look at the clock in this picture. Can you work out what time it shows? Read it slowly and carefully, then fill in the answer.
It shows 11:01
